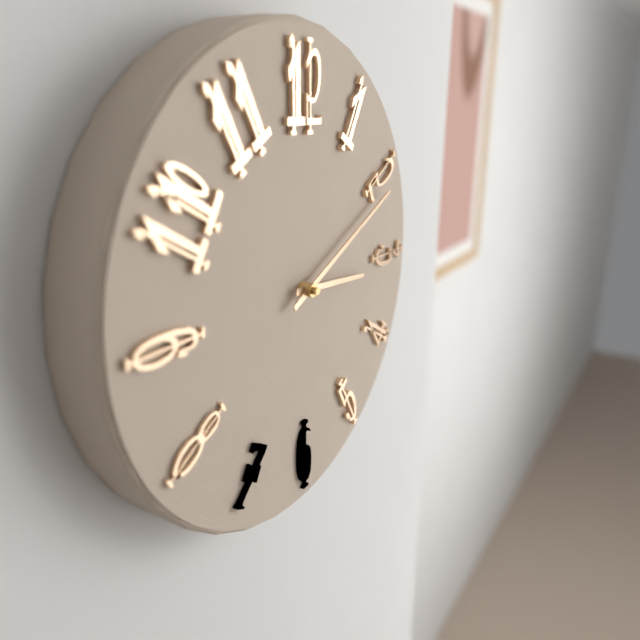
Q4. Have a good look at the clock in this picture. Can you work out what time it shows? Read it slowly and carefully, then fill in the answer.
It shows 3:11
